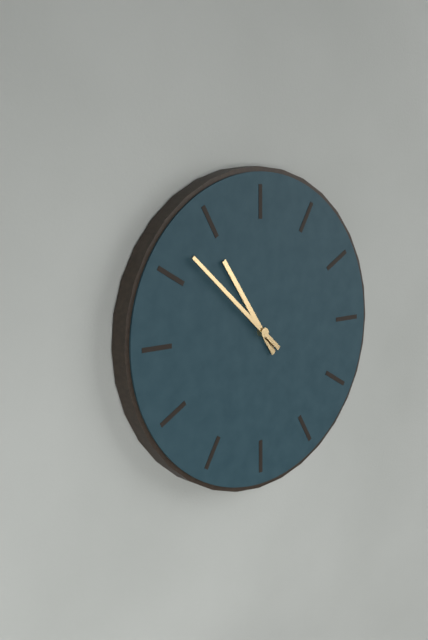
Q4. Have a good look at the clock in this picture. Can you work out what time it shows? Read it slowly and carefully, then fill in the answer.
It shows 10:52
